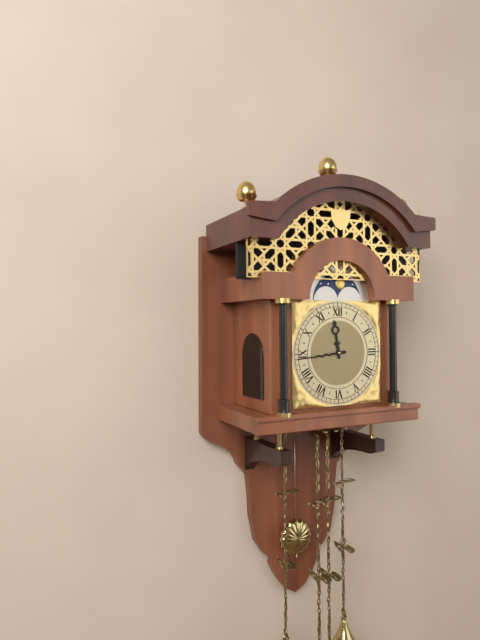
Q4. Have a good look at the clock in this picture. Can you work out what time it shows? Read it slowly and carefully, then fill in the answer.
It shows 11:44
